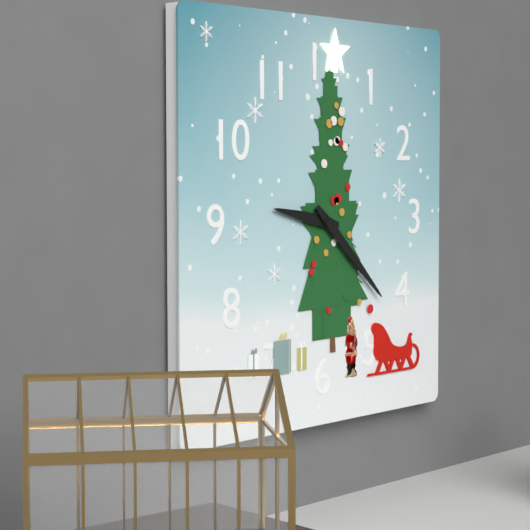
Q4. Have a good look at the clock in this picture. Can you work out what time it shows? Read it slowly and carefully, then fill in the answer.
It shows 9:22
